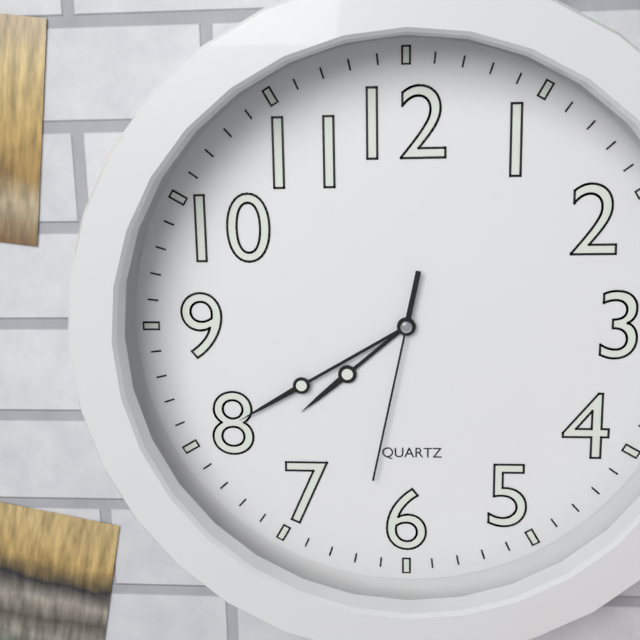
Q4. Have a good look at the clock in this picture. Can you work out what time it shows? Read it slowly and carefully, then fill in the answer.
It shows 7:40:32
